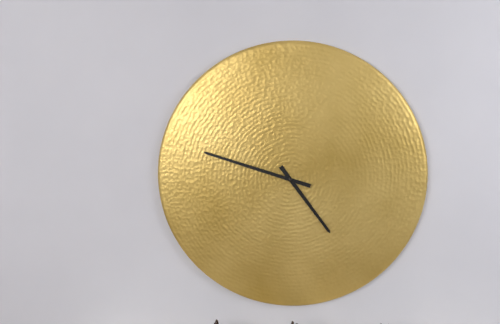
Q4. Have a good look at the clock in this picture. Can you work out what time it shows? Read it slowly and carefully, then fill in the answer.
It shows 4:48
